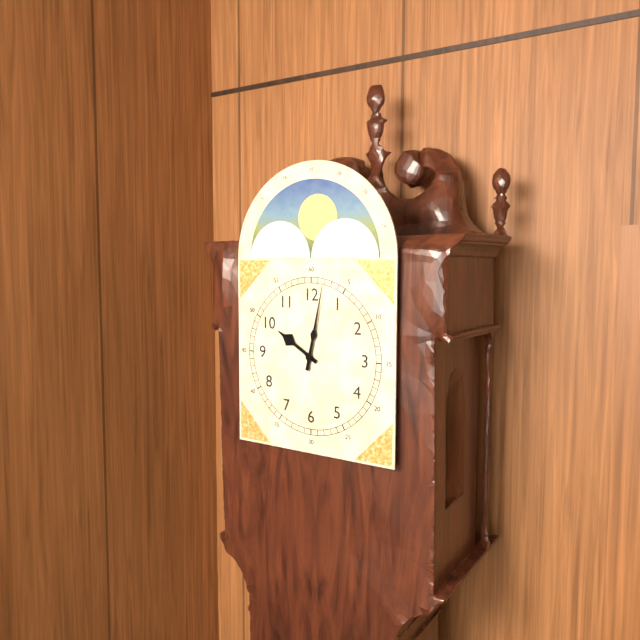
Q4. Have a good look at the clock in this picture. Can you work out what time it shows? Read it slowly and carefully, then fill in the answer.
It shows 10:02
